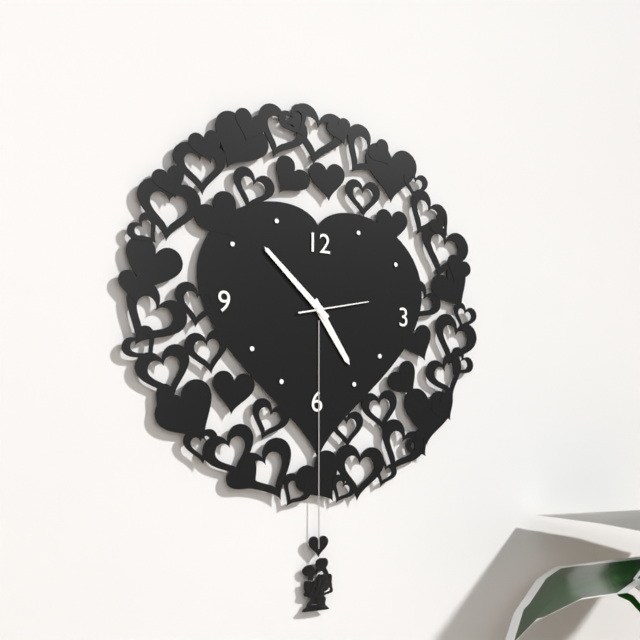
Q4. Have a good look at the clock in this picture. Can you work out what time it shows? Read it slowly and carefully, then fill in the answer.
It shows 4:52:13
